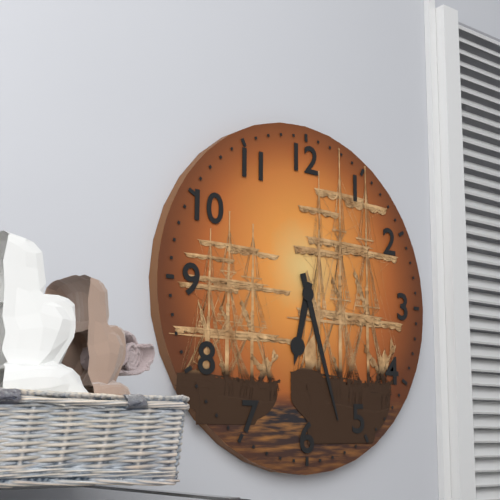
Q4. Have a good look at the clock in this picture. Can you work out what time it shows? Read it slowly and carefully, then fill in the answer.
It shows 6:27
